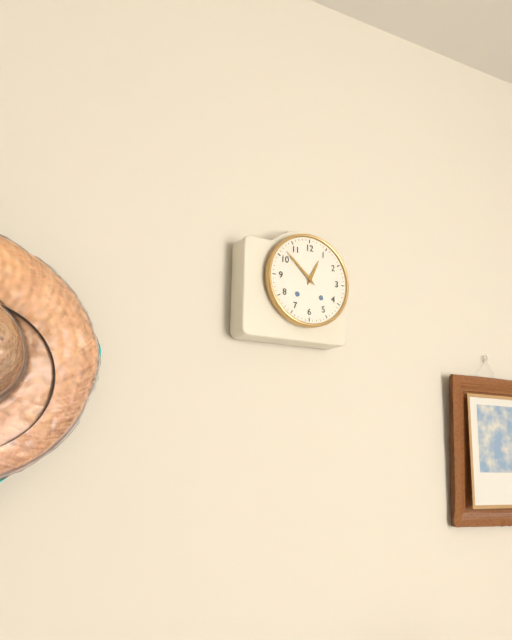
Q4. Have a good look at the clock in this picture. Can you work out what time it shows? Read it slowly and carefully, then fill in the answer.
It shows 12:52
